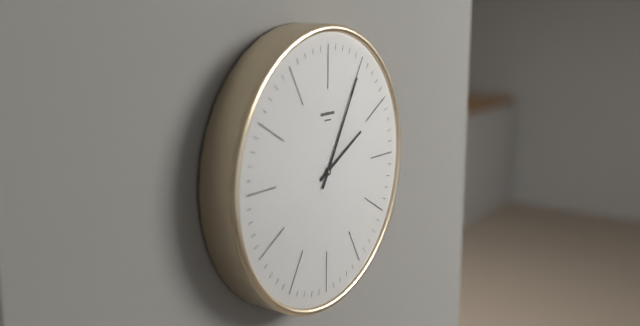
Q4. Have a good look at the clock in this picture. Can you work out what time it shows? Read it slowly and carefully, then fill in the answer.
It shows 2:05
